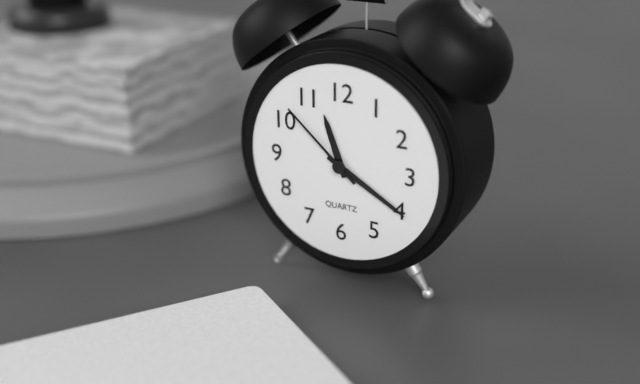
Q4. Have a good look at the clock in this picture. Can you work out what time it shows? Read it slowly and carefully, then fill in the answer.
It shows 11:20:52
